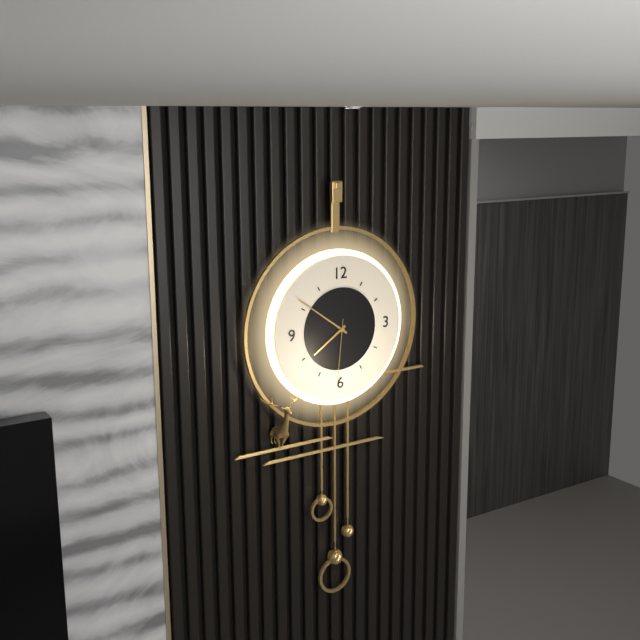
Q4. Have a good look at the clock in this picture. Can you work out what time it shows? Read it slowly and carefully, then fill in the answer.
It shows 7:51:31
